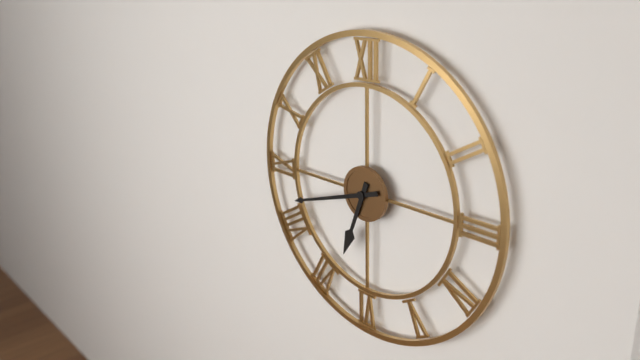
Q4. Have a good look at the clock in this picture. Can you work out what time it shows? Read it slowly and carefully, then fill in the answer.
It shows 6:42
